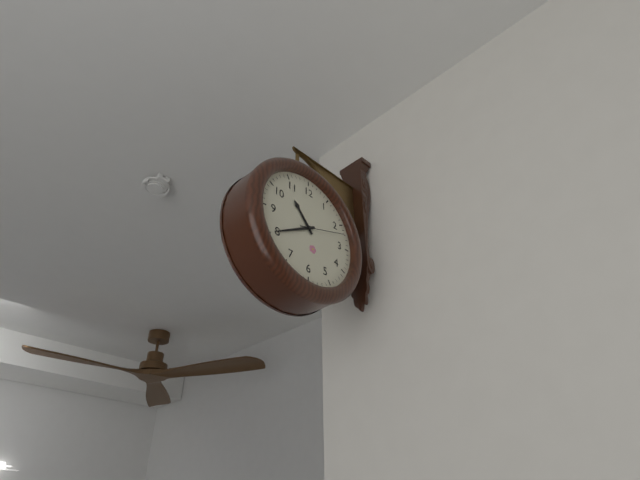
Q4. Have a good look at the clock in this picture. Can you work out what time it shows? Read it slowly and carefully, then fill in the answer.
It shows 10:40
